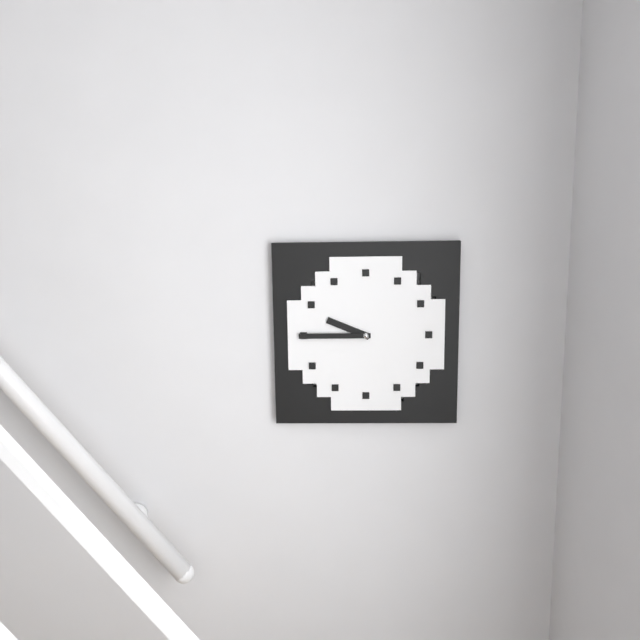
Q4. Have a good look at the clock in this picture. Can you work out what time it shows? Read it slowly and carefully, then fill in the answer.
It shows 9:45
